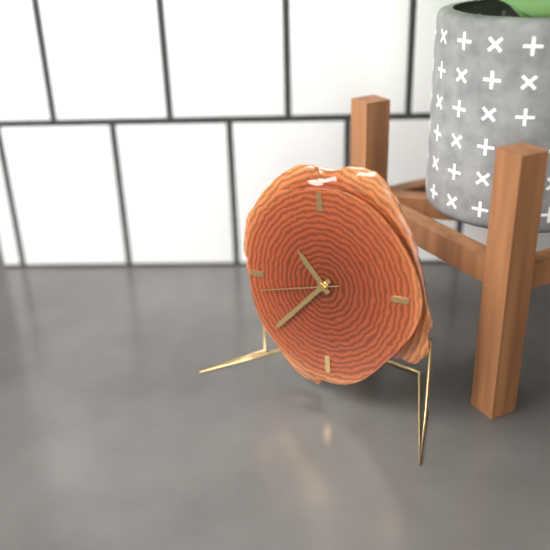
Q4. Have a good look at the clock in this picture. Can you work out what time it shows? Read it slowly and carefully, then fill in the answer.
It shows 10:38:43
